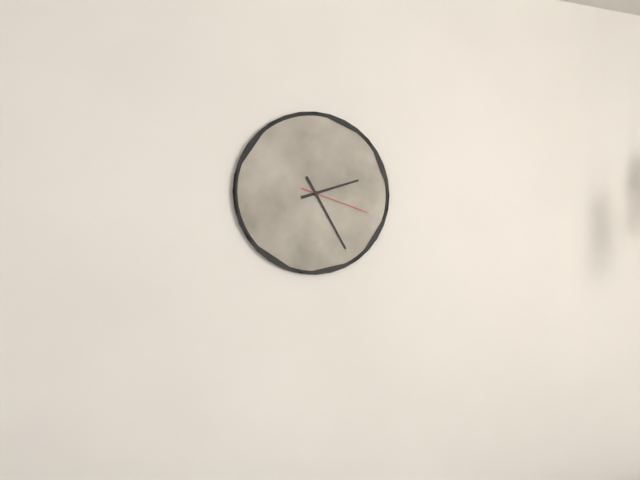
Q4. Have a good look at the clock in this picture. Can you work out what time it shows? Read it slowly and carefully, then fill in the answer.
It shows 2:25:18
